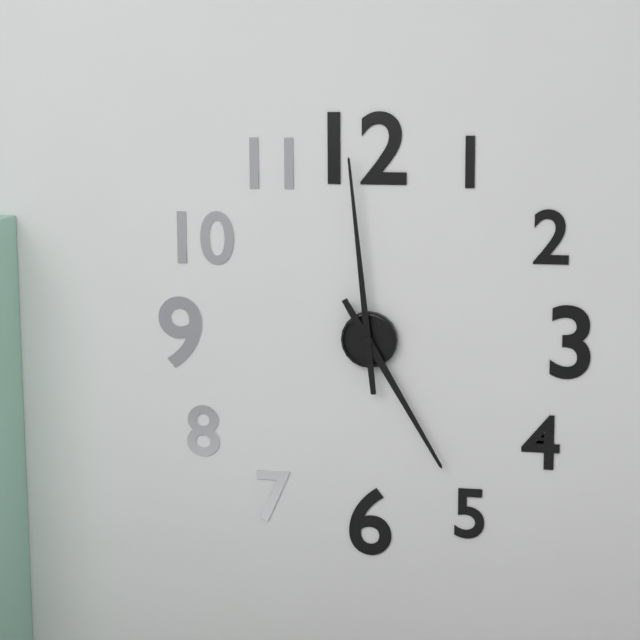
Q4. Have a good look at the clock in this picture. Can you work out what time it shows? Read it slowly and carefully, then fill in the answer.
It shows 4:59
